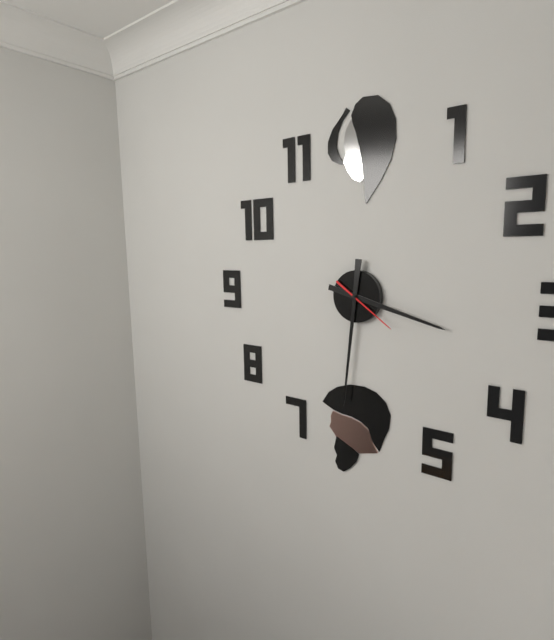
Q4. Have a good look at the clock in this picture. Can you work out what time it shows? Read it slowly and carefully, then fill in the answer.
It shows 3:31:21
